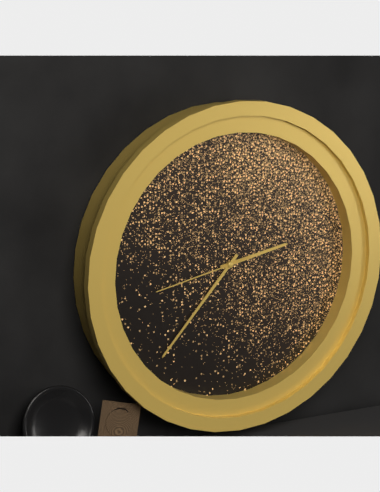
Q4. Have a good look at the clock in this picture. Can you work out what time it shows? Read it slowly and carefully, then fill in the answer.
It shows 2:37:43
